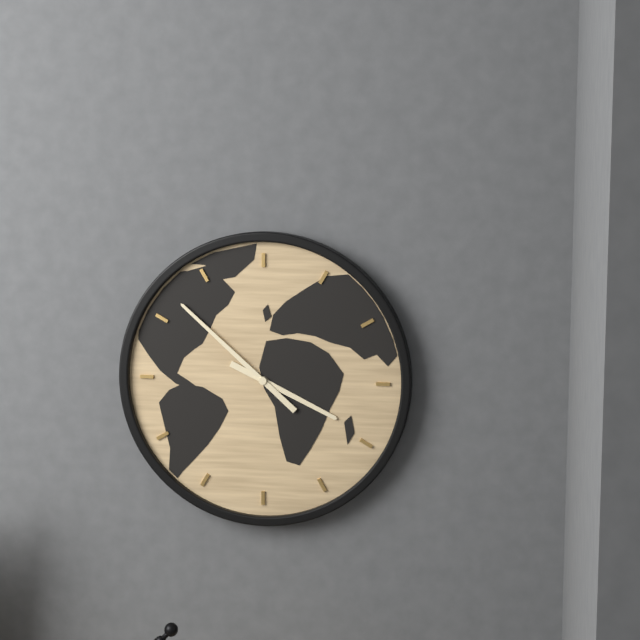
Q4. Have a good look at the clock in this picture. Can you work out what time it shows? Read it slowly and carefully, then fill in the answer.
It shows 3:52
